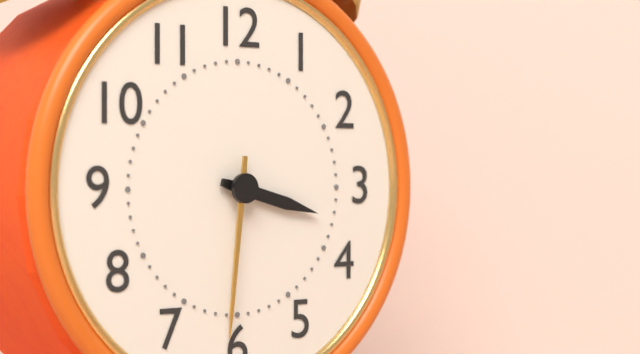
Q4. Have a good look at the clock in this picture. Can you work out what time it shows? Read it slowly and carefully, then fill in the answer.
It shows 3:31
